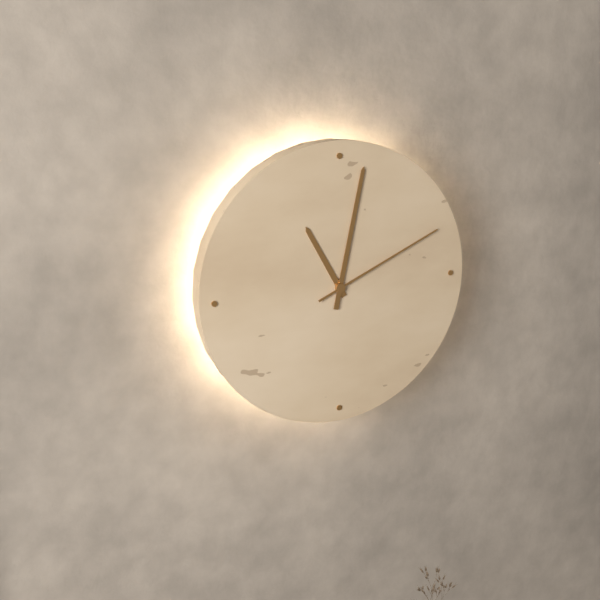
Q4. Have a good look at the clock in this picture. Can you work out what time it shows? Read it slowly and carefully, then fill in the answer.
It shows 11:02:11
